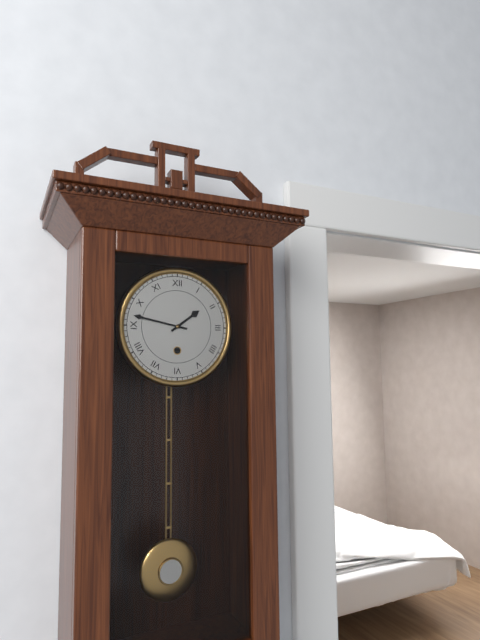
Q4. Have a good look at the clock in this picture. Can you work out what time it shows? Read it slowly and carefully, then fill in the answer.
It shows 1:47
